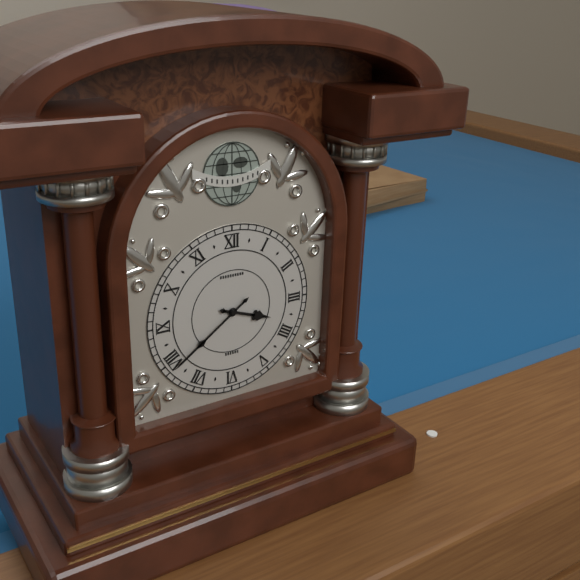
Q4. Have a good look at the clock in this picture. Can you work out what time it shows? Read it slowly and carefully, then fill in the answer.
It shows 3:39
